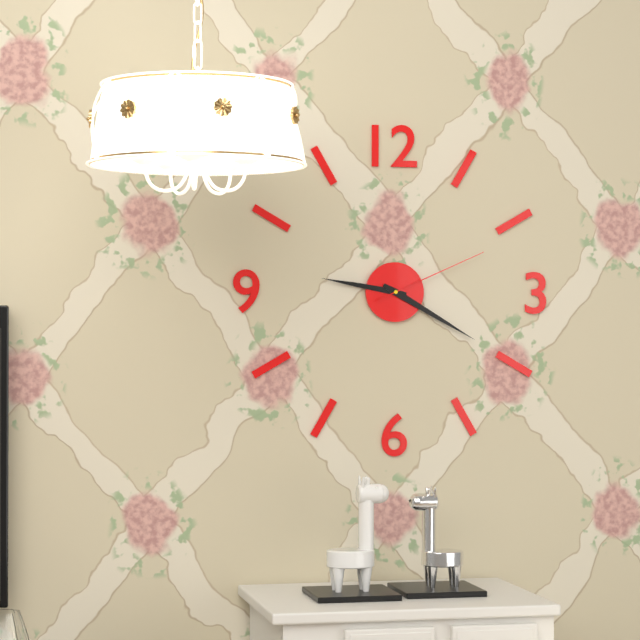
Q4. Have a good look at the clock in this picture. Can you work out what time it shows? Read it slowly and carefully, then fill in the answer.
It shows 9:20:11
